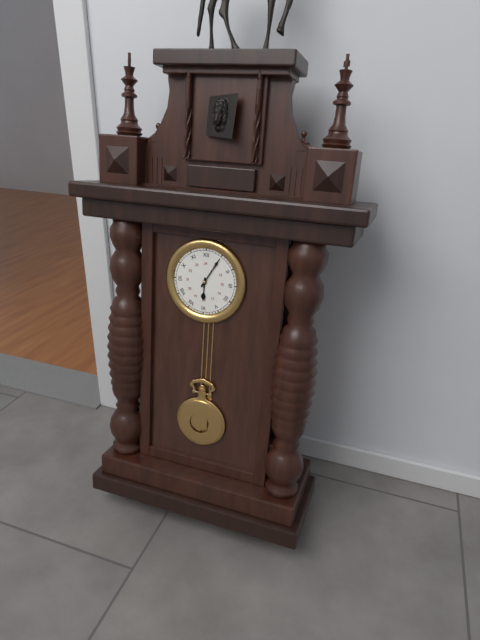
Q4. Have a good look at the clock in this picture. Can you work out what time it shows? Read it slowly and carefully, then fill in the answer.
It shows 6:05
